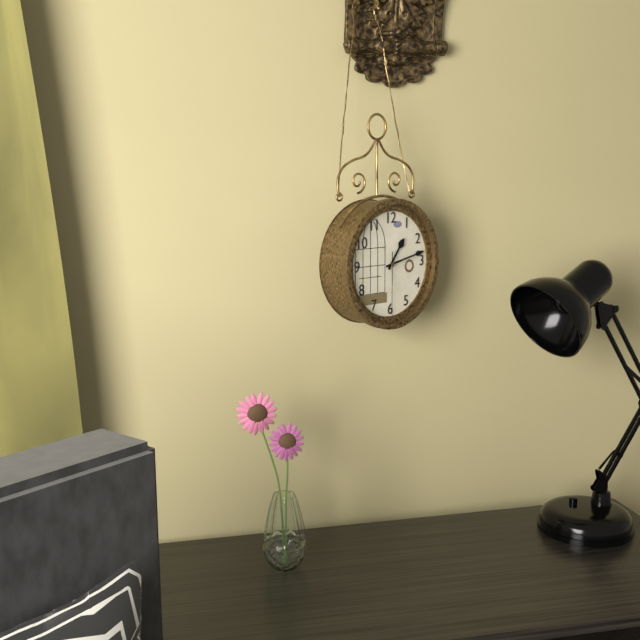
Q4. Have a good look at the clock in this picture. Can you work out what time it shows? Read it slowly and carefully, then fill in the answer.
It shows 1:13:30
